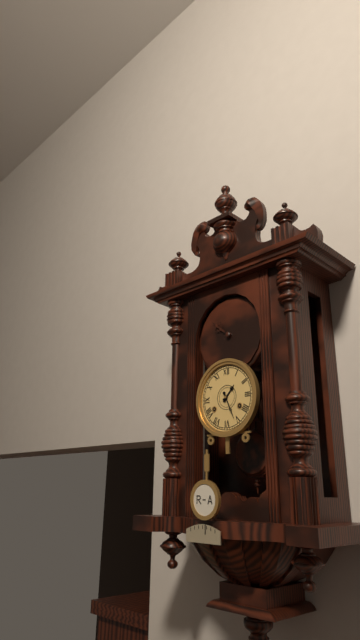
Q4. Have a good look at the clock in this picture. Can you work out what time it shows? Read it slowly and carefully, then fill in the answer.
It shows 1:26
